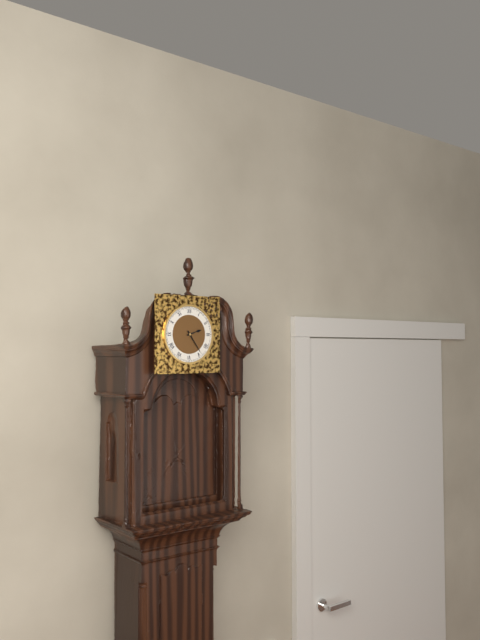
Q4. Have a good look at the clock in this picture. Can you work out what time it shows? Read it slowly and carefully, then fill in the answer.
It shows 2:24
